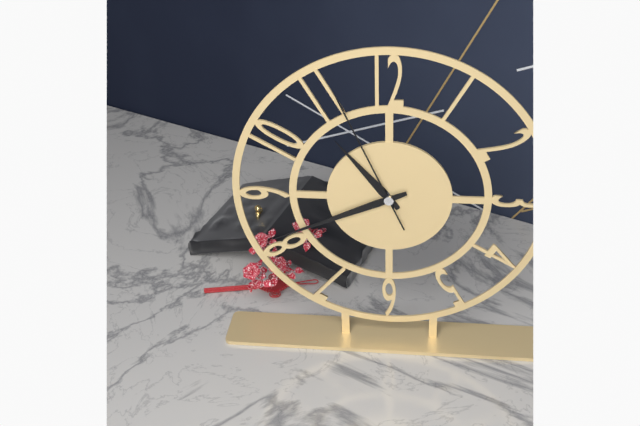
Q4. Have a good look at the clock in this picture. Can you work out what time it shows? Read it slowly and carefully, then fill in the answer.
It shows 10:41:56
